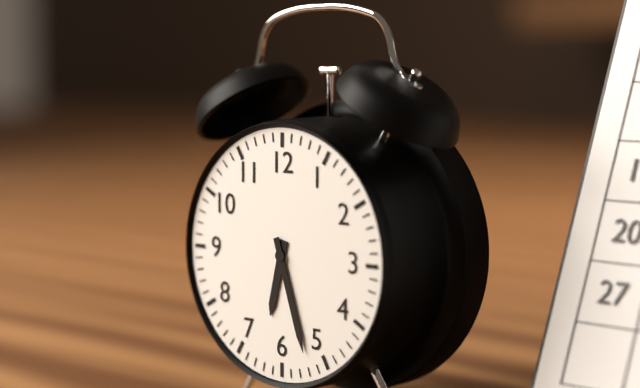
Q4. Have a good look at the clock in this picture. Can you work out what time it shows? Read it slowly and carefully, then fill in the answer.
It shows 6:27
